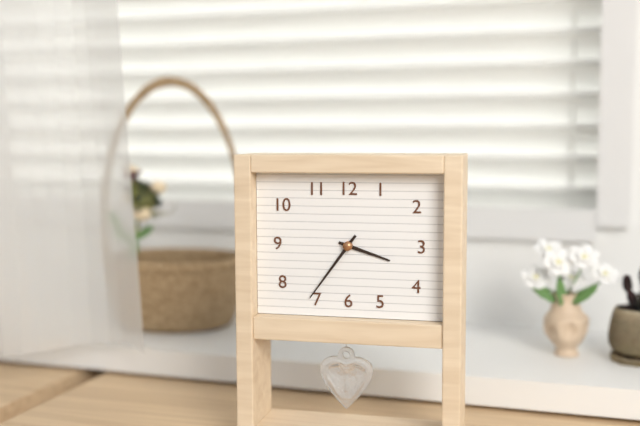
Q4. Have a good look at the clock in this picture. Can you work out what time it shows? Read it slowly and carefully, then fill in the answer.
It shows 3:36
